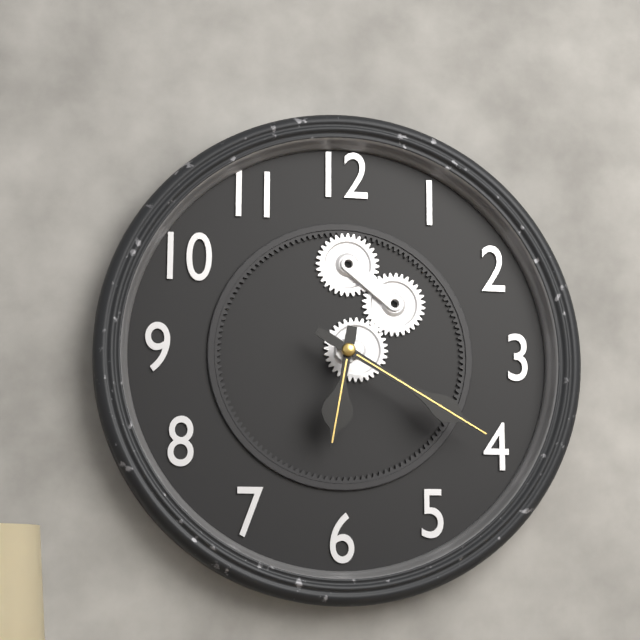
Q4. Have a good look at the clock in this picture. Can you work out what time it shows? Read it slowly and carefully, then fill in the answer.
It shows 6:20
